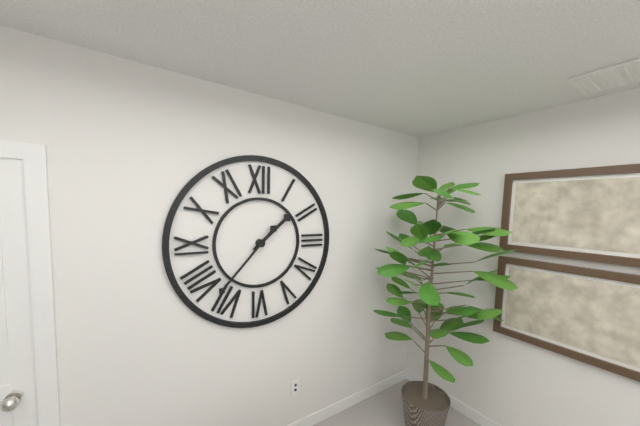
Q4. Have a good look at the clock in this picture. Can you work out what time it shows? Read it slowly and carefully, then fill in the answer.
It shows 1:37
